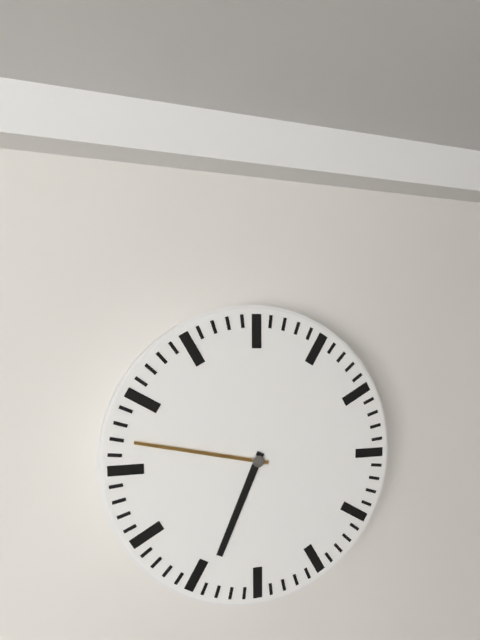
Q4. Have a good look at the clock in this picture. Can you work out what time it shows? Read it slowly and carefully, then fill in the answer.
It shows 6:47
